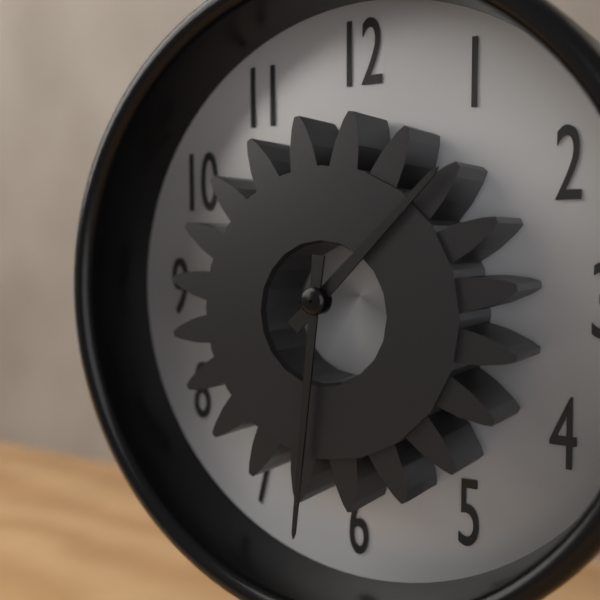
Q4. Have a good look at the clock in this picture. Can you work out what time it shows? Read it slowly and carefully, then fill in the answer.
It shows 1:31
